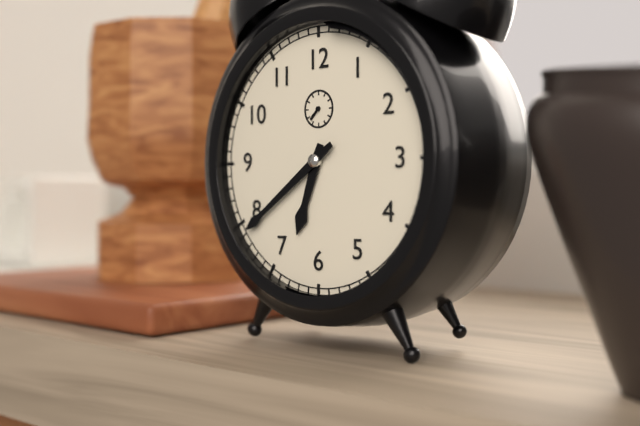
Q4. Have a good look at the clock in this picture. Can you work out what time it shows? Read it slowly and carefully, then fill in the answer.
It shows 6:39
